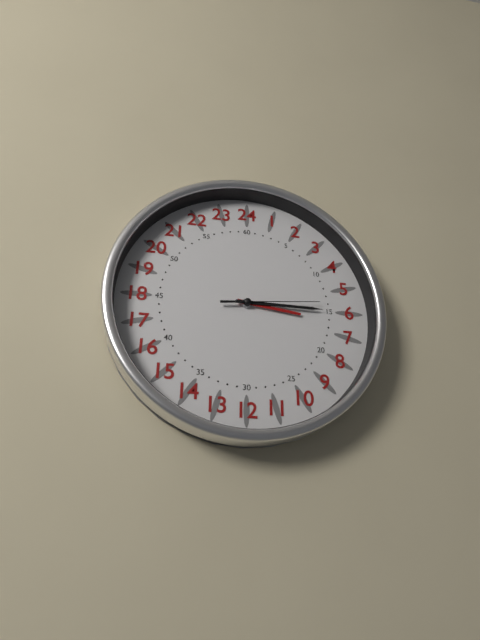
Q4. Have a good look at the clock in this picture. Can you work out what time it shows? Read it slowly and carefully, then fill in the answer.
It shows 3:15:14
